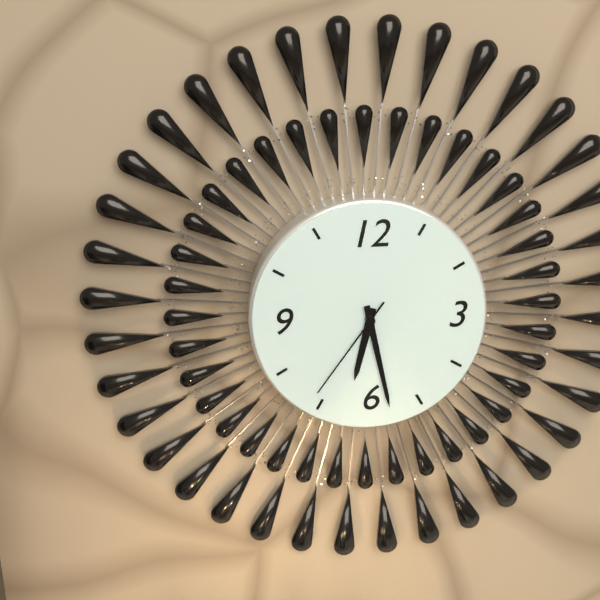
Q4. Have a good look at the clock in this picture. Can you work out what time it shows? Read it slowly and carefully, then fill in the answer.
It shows 6:28:36
